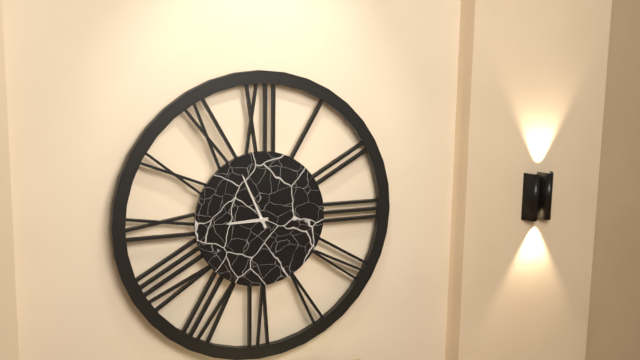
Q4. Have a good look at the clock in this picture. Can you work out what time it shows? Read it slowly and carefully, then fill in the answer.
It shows 8:56
